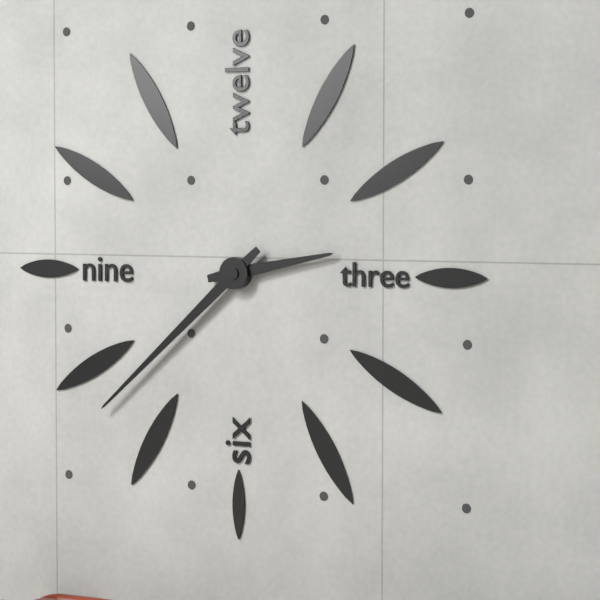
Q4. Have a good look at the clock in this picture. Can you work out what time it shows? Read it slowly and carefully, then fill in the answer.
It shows 2:38
